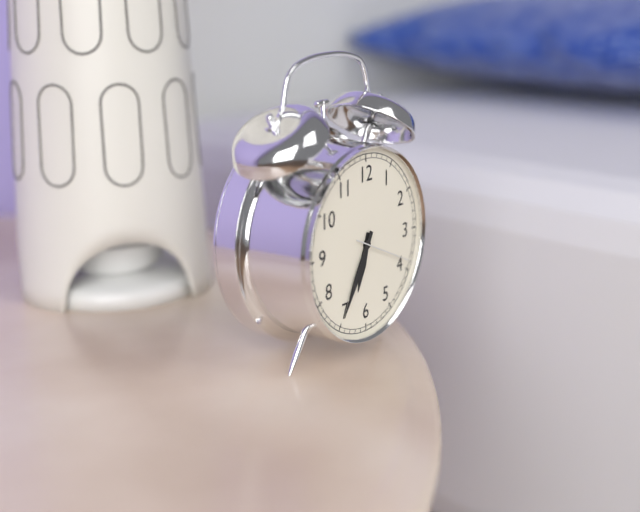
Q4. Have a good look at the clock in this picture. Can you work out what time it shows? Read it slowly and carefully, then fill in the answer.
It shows 6:35:19
